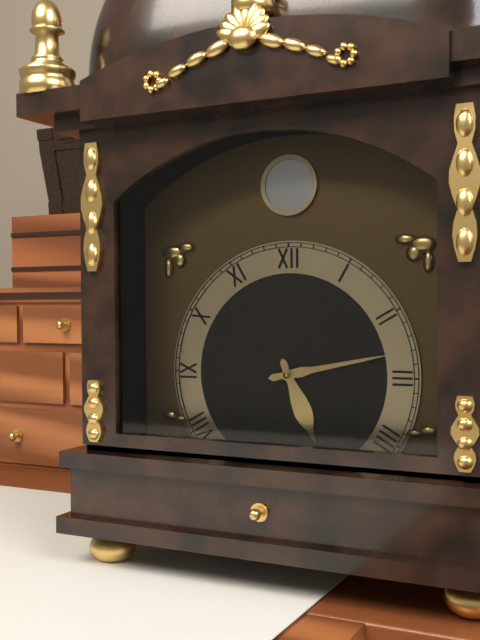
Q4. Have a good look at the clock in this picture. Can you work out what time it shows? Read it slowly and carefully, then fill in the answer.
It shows 5:13
